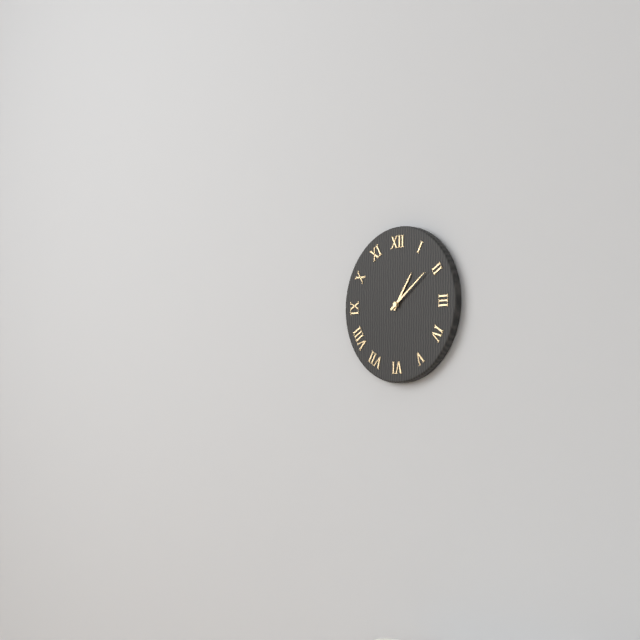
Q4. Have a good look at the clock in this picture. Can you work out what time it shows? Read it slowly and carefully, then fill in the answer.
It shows 1:09
